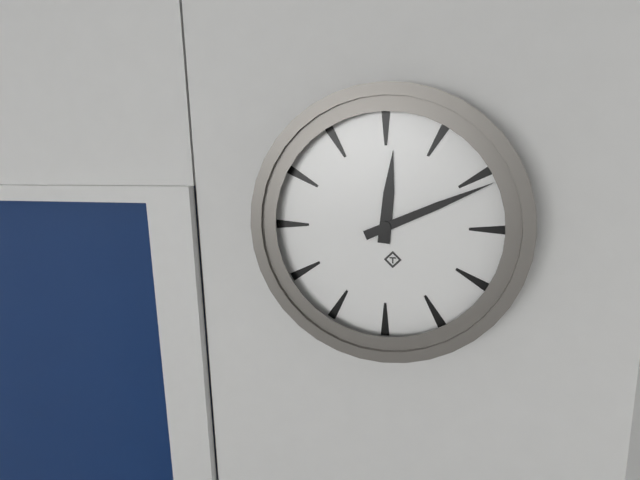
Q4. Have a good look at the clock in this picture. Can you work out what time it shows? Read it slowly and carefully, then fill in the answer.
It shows 12:11
